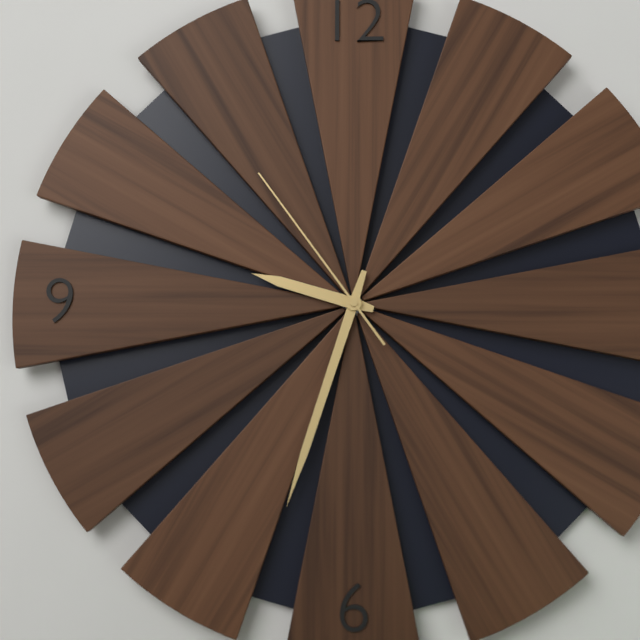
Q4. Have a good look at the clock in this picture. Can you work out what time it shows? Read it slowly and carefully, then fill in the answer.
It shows 9:33:54
